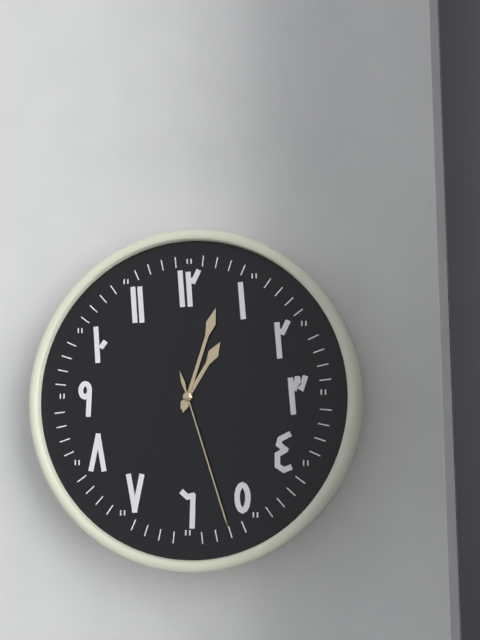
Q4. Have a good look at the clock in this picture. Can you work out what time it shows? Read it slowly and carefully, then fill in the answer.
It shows 1:03:27
